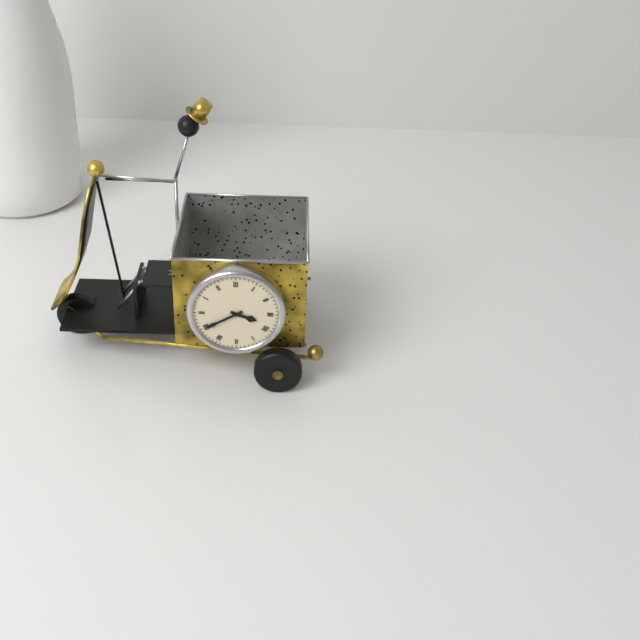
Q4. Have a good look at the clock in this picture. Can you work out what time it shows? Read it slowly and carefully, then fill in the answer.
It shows 3:40
